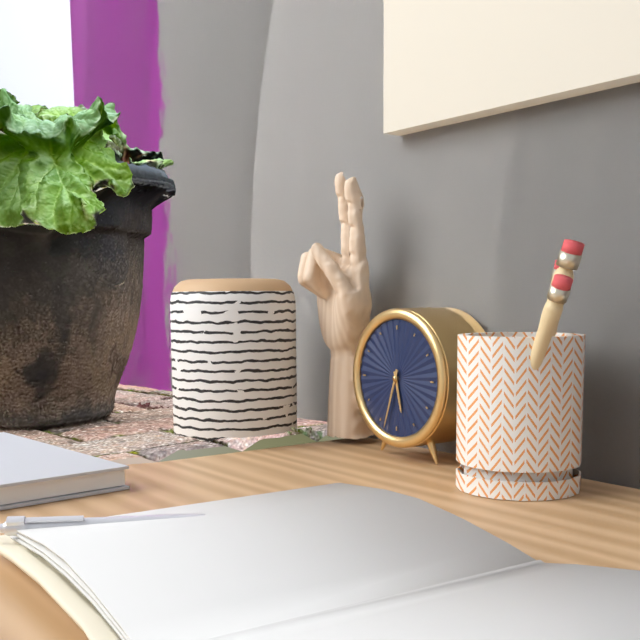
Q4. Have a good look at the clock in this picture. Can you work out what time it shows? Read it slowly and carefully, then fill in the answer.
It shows 5:33
